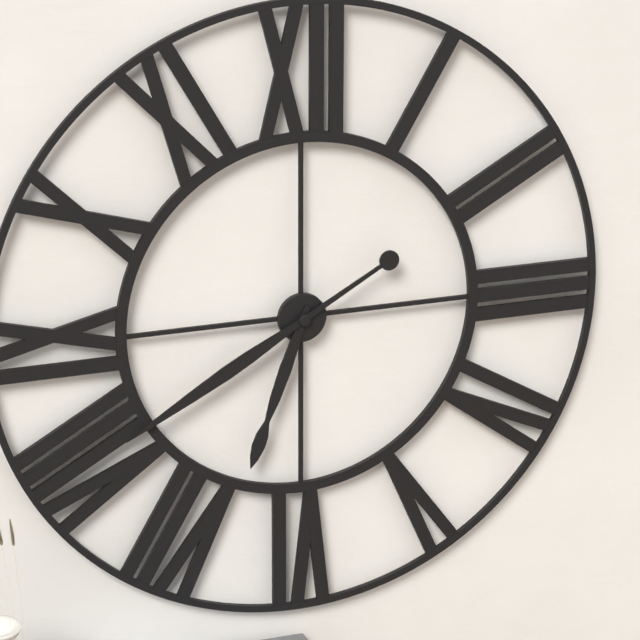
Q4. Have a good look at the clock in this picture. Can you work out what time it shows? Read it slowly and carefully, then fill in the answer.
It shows 6:40
